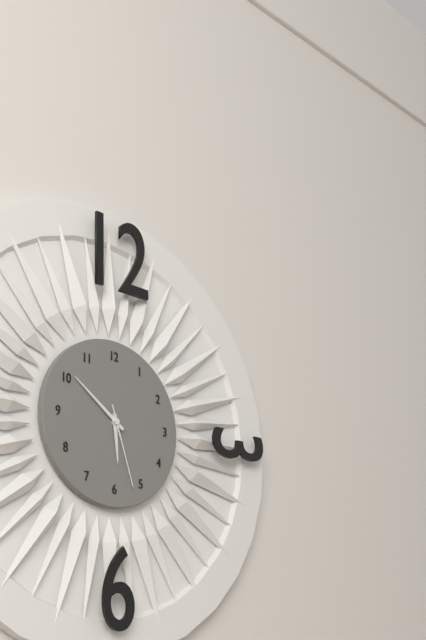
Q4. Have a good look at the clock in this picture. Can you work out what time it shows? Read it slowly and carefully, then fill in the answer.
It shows 5:51:27
